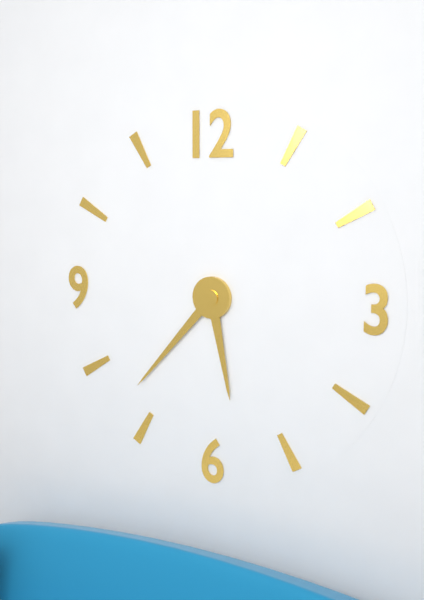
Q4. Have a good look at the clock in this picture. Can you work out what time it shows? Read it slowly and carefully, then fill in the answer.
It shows 5:37
